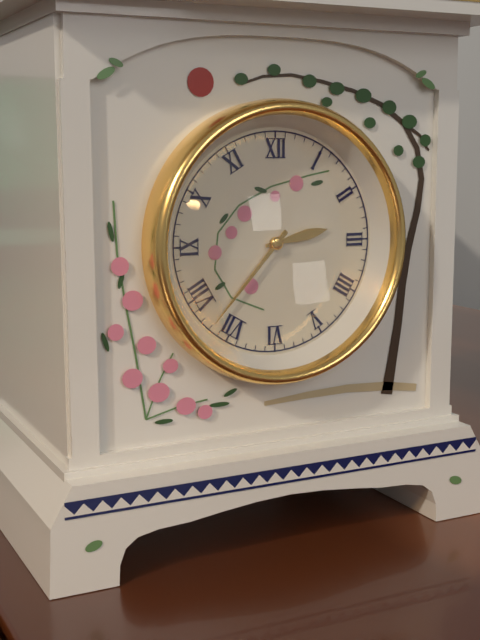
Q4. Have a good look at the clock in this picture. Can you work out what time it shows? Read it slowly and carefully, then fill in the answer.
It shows 2:37
